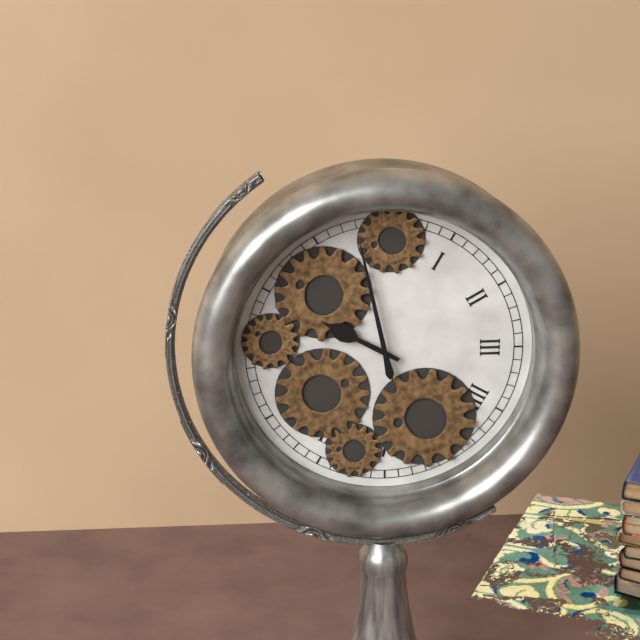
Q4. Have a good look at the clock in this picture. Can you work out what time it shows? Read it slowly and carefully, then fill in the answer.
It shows 9:58
